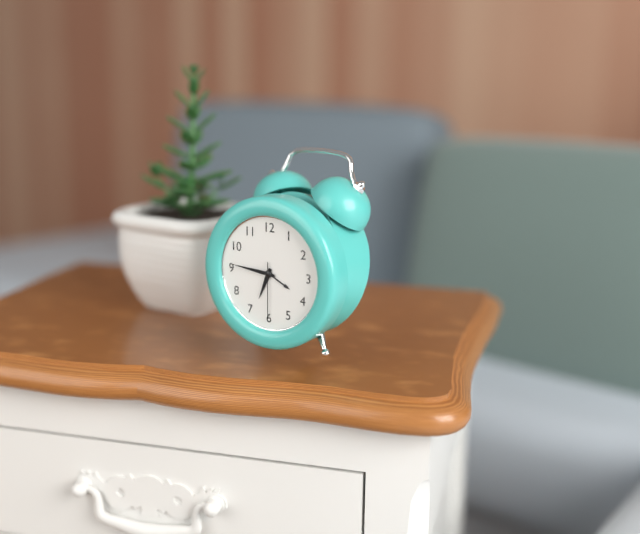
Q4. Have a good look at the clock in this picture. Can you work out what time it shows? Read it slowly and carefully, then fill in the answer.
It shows 6:46:30
